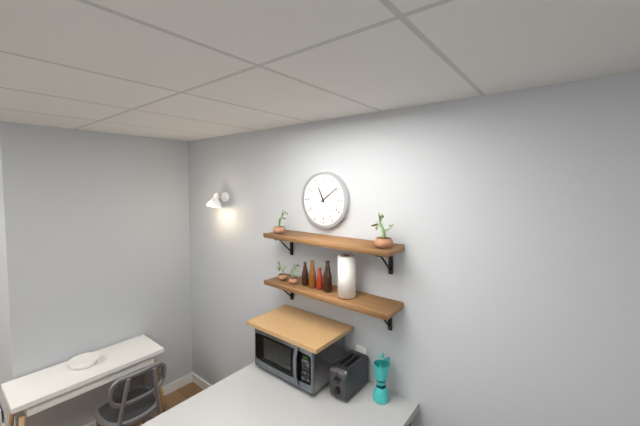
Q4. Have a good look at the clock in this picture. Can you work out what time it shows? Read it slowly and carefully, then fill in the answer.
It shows 11:09
